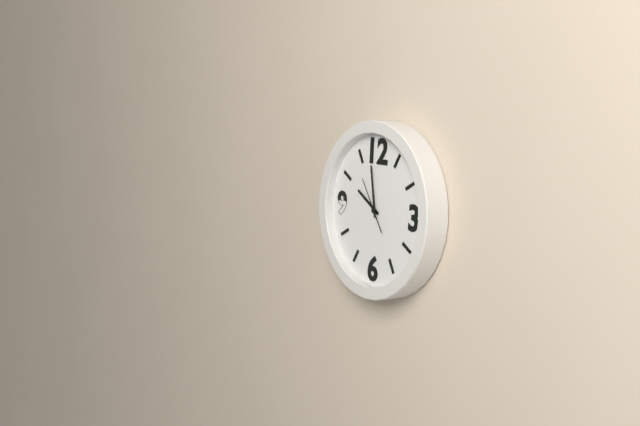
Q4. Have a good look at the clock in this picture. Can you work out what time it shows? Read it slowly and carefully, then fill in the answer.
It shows 9:58
